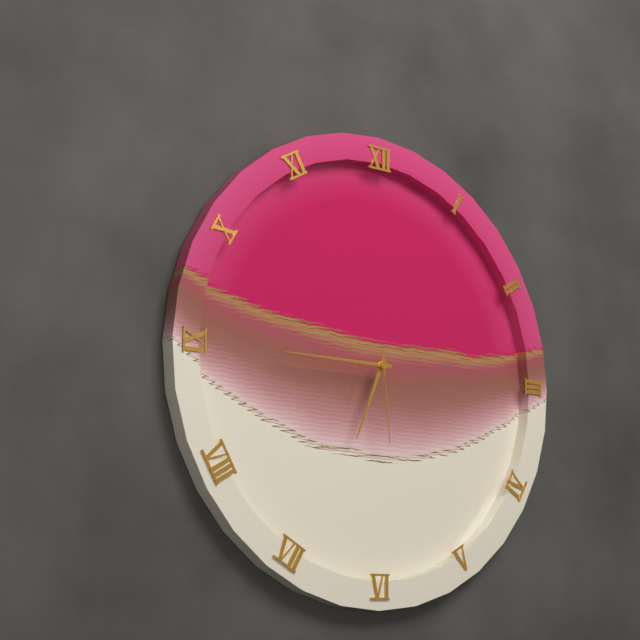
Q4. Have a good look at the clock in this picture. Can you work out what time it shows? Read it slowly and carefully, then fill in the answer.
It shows 6:45:29
